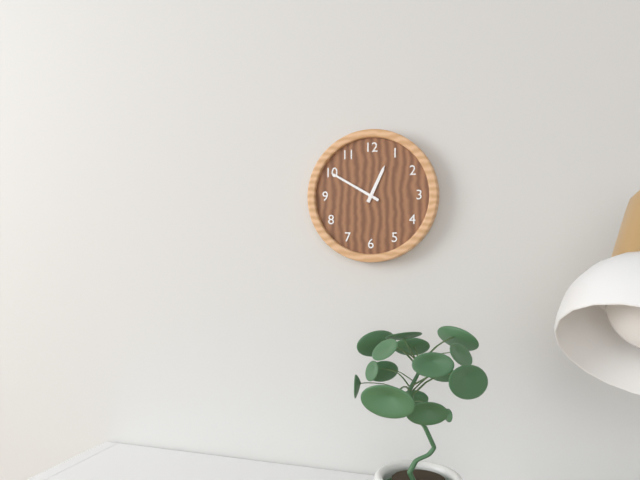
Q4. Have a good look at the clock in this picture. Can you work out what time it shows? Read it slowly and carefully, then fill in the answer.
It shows 12:50
